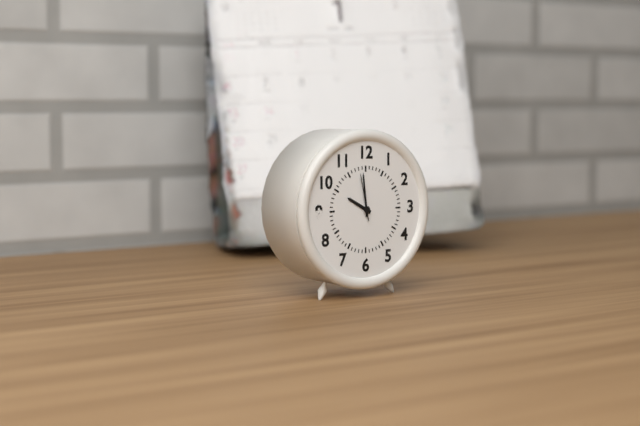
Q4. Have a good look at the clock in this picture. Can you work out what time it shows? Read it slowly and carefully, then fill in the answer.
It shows 9:59
